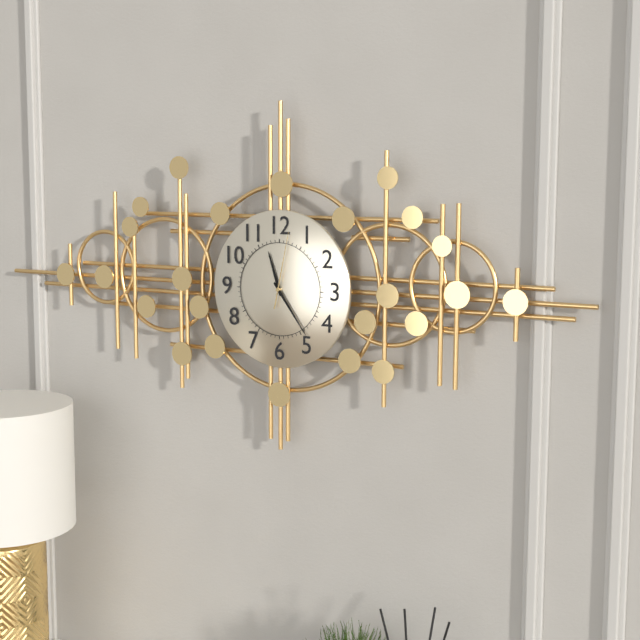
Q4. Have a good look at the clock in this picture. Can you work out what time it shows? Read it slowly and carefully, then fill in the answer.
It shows 11:24:02
